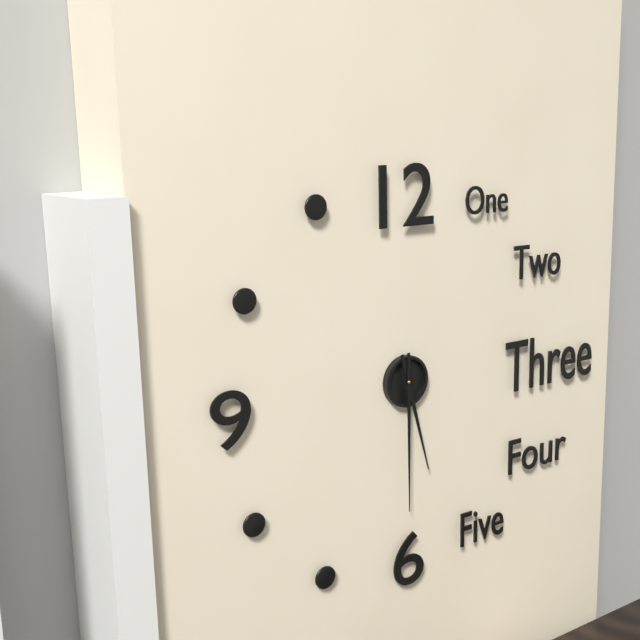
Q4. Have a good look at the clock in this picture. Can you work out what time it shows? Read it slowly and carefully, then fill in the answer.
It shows 5:30
